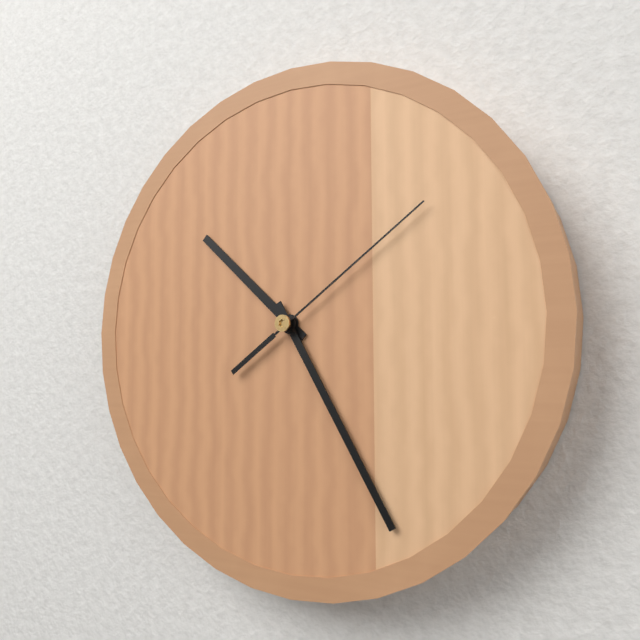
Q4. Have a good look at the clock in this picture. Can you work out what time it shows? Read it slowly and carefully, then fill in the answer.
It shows 10:25:09
